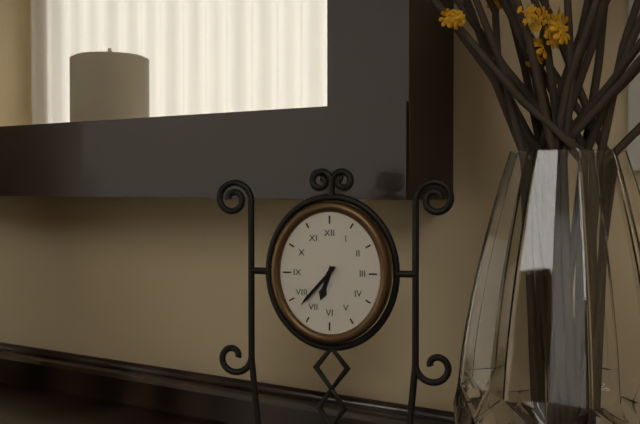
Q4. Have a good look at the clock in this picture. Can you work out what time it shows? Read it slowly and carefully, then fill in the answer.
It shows 6:37
